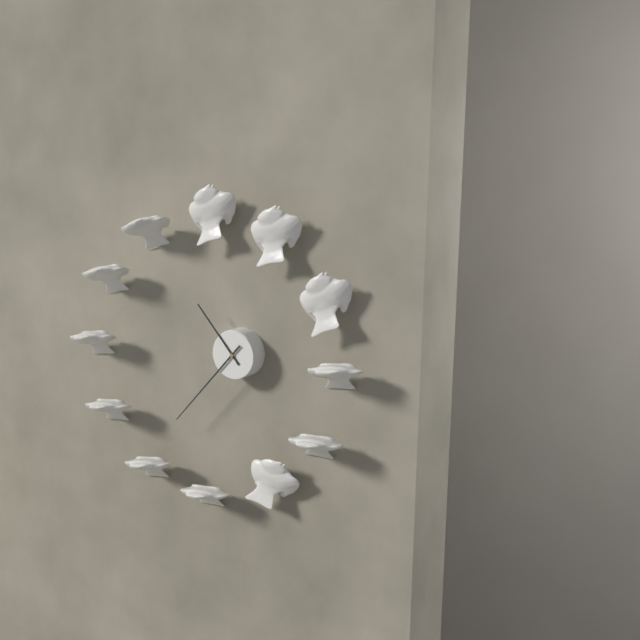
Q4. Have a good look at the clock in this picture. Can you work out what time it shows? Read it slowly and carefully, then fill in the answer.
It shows 10:37
